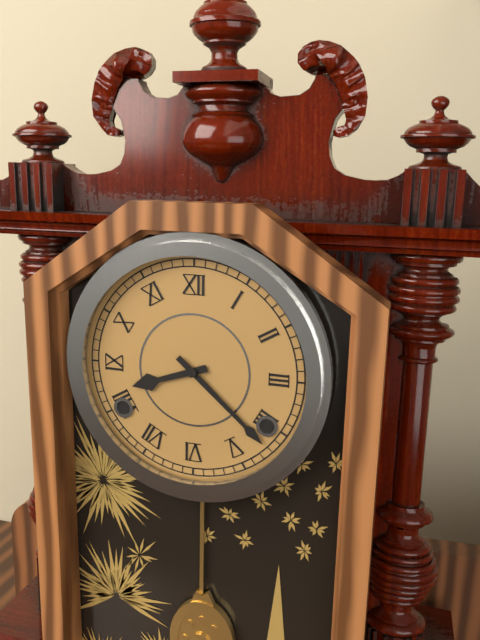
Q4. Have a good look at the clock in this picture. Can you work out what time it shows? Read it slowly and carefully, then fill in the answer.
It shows 8:22
